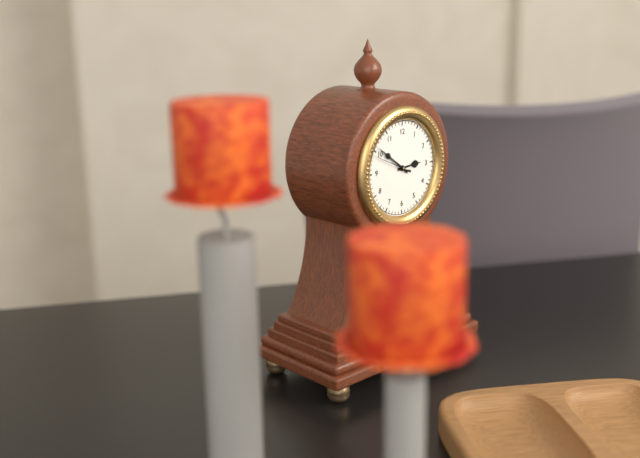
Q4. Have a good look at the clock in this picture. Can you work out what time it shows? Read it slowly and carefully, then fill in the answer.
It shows 2:51
